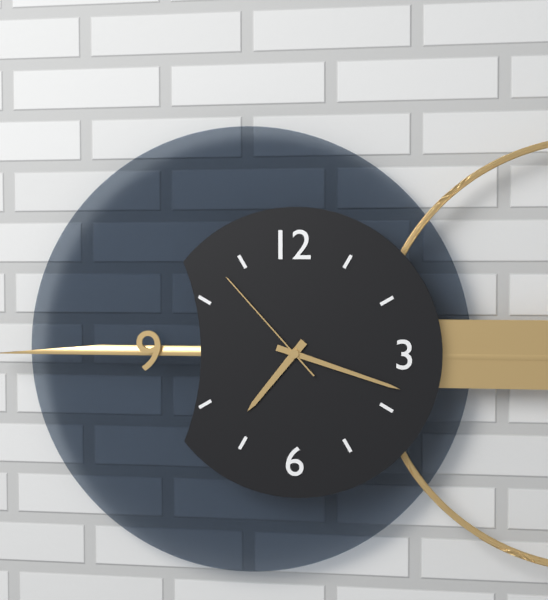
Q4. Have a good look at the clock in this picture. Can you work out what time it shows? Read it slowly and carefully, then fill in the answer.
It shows 7:18:53
